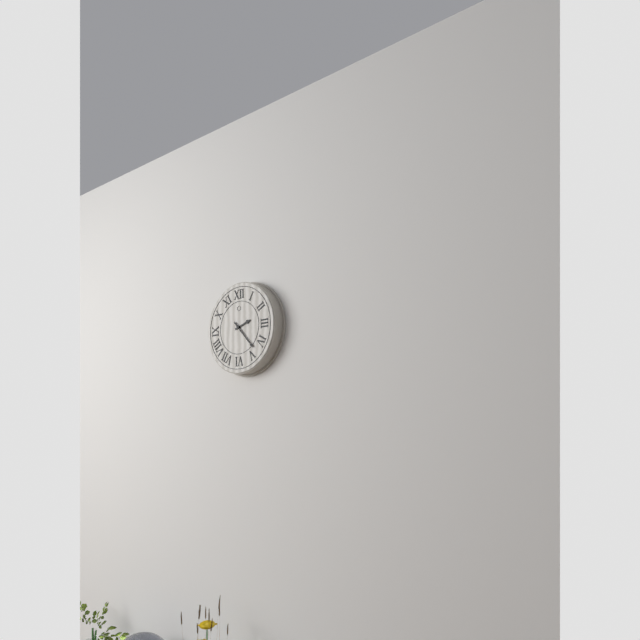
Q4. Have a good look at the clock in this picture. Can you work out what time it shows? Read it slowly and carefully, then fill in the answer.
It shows 2:23
